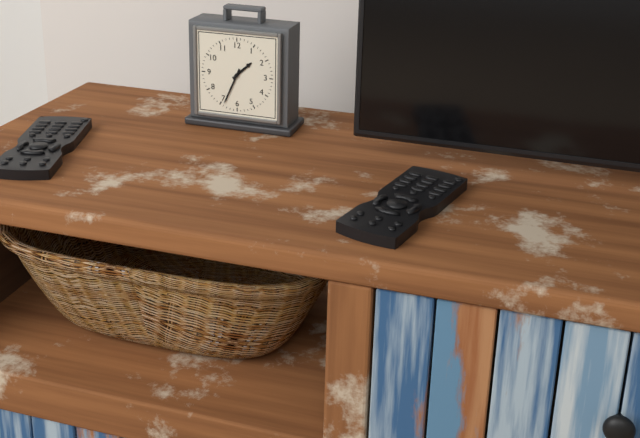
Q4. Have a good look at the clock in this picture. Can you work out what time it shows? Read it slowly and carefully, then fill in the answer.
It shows 1:34
